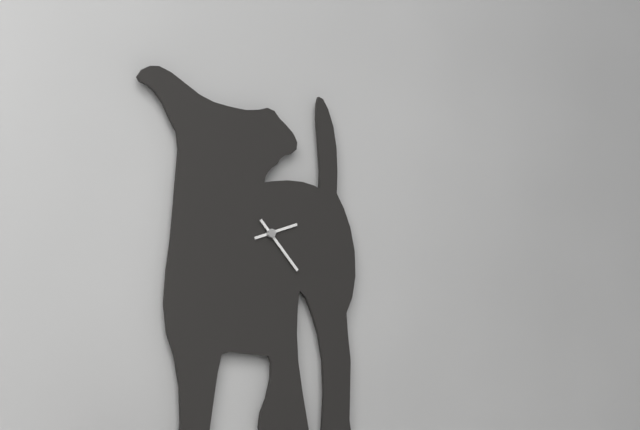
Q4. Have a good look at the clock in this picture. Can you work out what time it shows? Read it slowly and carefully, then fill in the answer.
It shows 2:23
